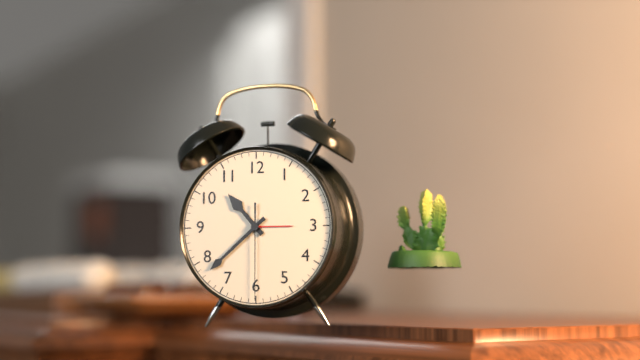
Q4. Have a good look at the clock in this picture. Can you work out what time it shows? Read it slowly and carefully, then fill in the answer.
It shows 10:38:30
